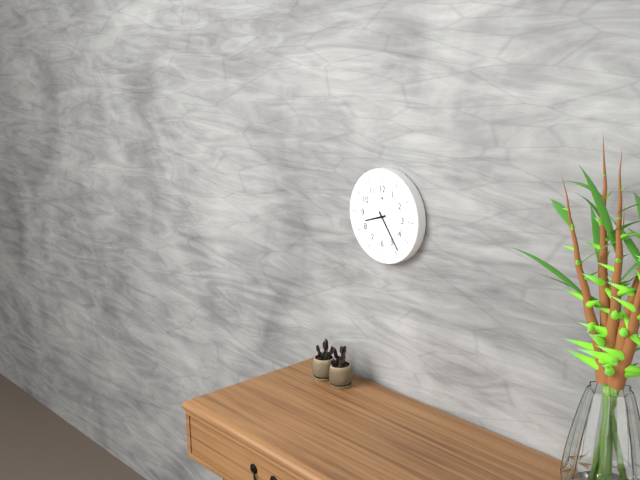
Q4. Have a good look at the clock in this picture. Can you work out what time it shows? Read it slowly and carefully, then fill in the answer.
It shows 8:24
